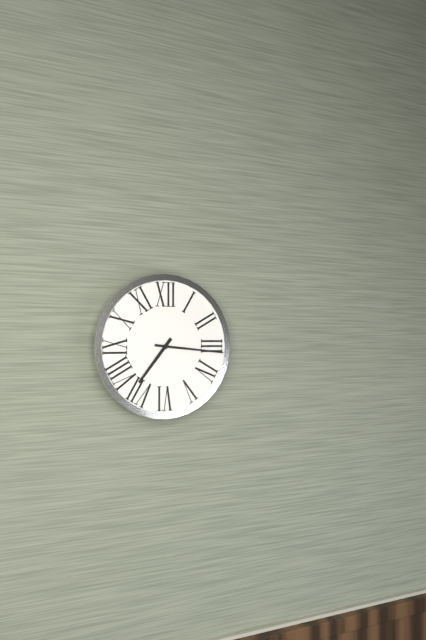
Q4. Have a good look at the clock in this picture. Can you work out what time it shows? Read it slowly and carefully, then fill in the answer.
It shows 7:16
